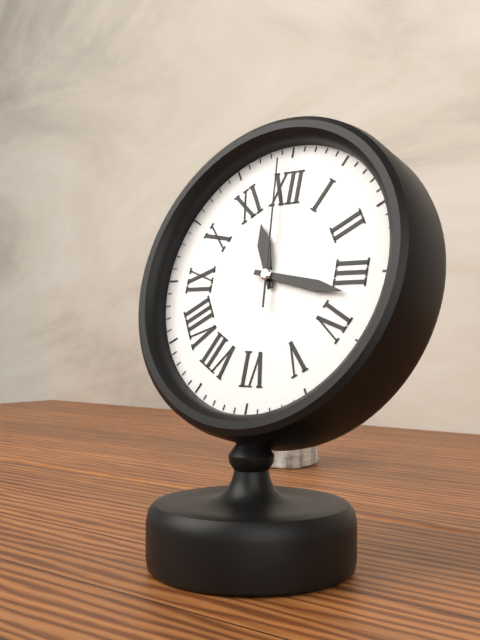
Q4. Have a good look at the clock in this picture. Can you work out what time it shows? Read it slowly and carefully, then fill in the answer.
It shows 11:17:59
